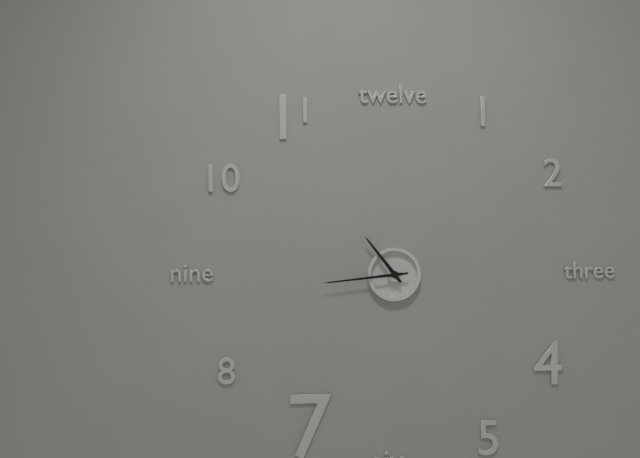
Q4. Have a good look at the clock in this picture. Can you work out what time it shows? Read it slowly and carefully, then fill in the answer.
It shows 10:44
